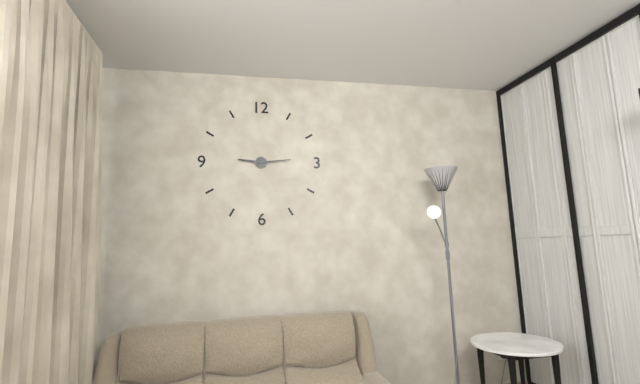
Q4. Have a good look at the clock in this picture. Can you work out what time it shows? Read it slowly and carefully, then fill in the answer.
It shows 9:14
